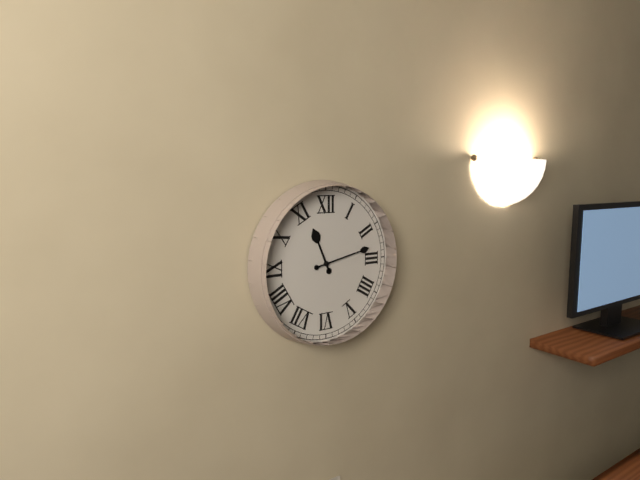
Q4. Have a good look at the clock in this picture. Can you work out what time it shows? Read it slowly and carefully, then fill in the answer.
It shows 11:13
